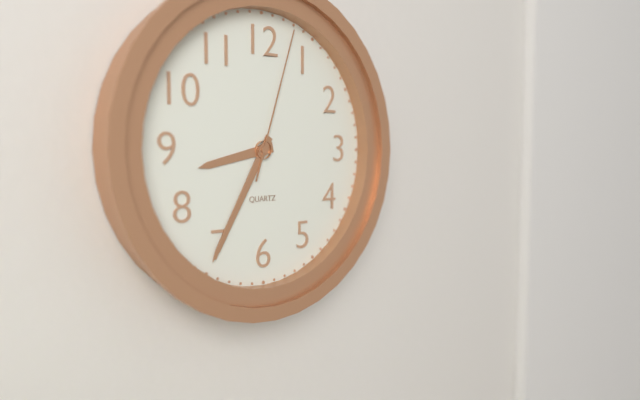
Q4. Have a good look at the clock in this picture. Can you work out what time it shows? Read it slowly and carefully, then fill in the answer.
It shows 8:35:03
